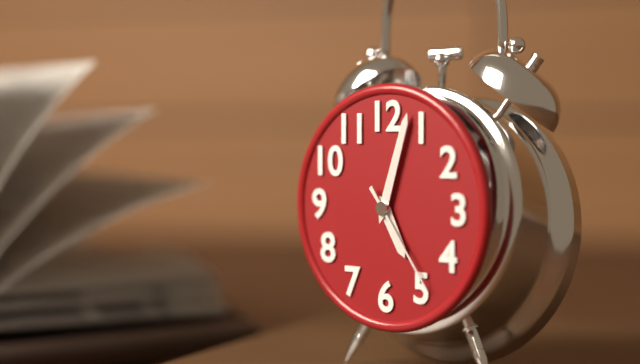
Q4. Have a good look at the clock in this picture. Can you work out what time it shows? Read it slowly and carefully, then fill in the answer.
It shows 5:03:24
